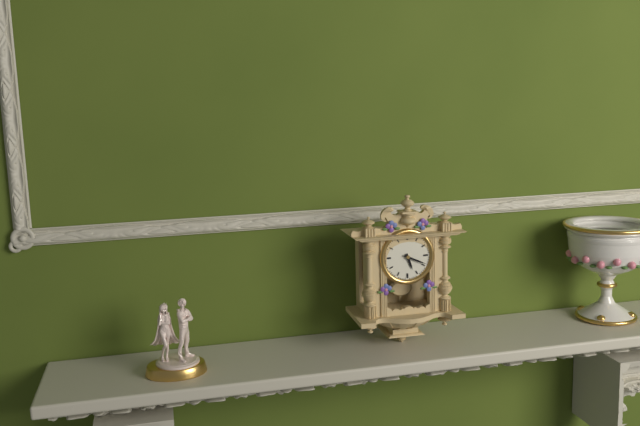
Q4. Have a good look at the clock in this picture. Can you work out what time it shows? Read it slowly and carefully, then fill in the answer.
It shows 5:19
